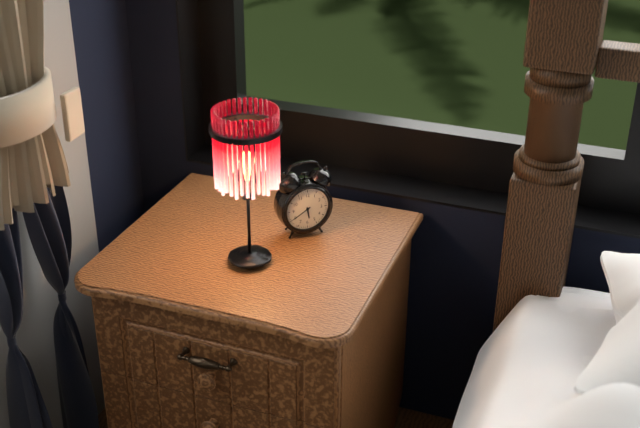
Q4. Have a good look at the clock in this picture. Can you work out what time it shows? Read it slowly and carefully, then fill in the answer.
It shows 5:40
